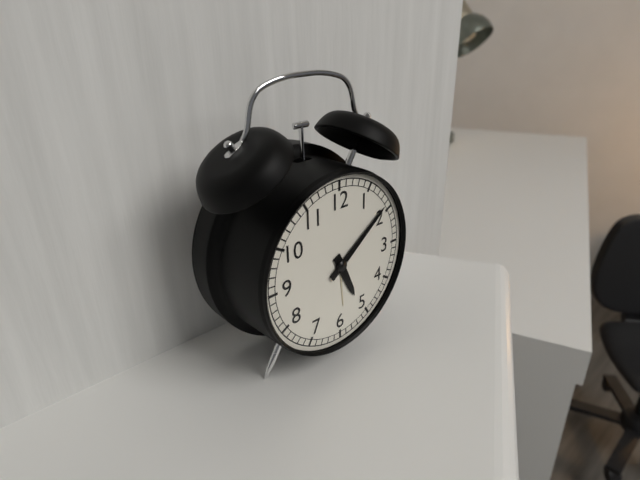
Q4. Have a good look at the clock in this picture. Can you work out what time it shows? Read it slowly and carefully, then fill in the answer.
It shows 5:09
